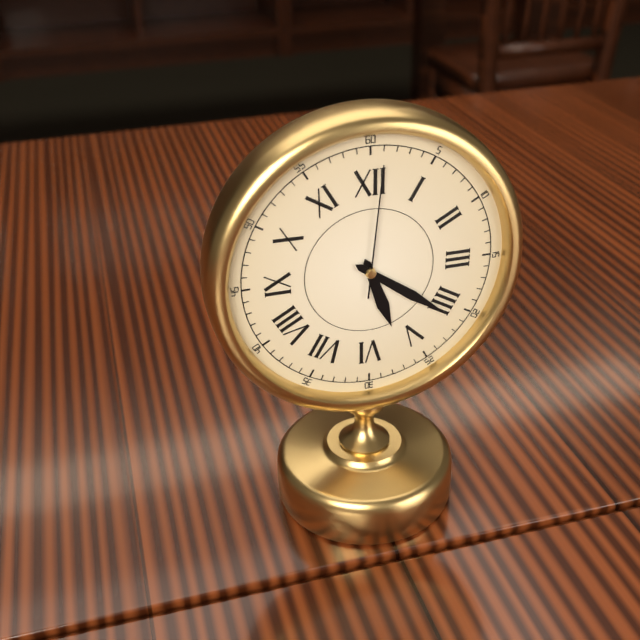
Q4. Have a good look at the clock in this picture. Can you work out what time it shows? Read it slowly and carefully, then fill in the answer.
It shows 5:21:01
